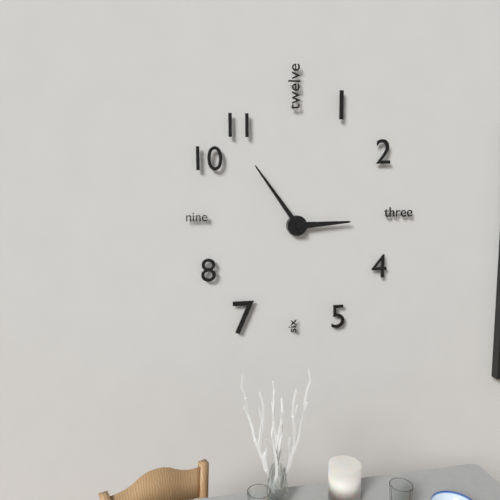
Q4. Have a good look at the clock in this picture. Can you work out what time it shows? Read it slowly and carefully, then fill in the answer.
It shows 2:54
